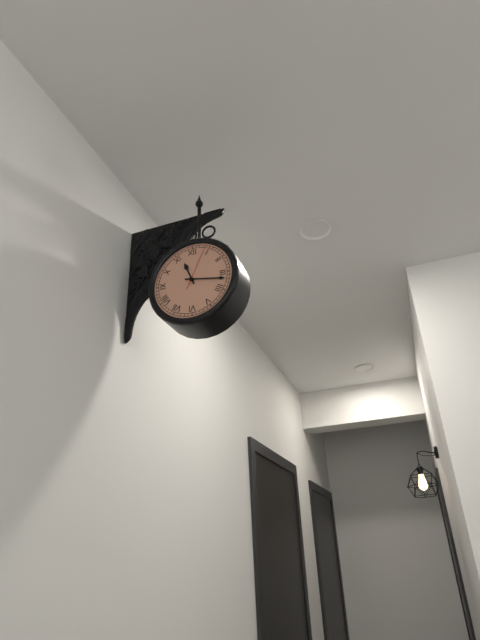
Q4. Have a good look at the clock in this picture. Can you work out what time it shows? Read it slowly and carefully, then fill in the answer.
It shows 11:17:04
